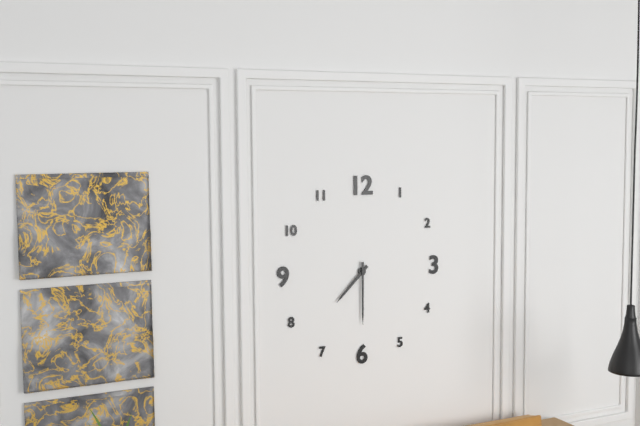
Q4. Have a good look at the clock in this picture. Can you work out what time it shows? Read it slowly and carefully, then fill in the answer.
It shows 7:30
